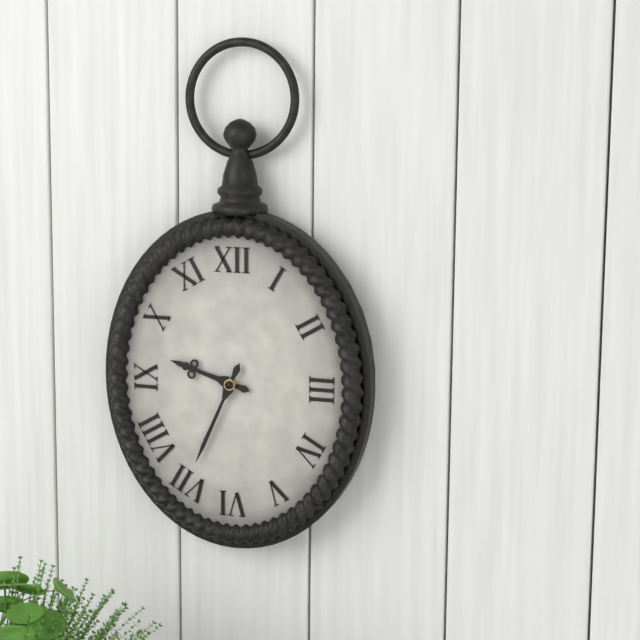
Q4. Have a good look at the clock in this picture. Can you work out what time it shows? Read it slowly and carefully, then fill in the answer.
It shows 9:34
